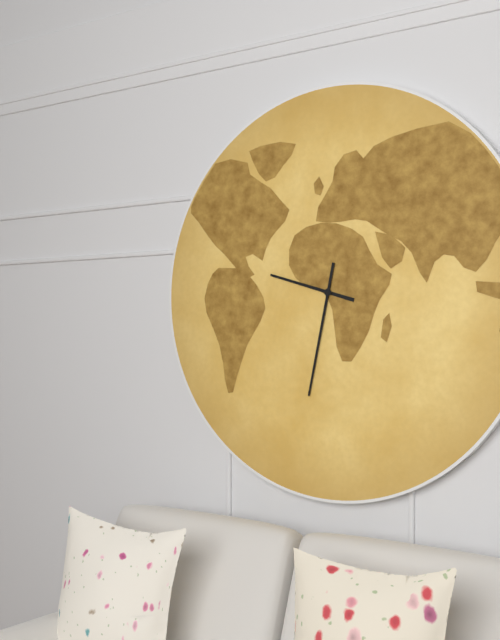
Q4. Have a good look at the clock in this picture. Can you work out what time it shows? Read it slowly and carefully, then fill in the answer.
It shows 9:32
